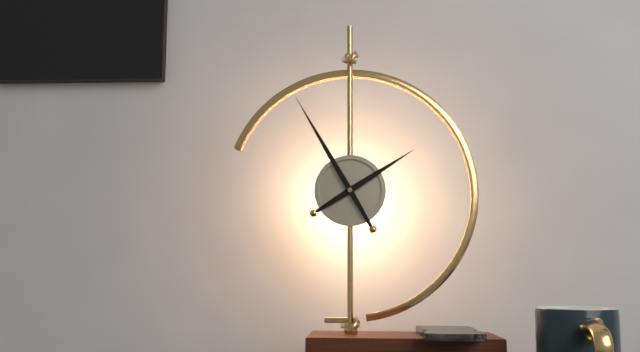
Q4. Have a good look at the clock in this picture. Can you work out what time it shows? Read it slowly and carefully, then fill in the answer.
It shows 1:55
